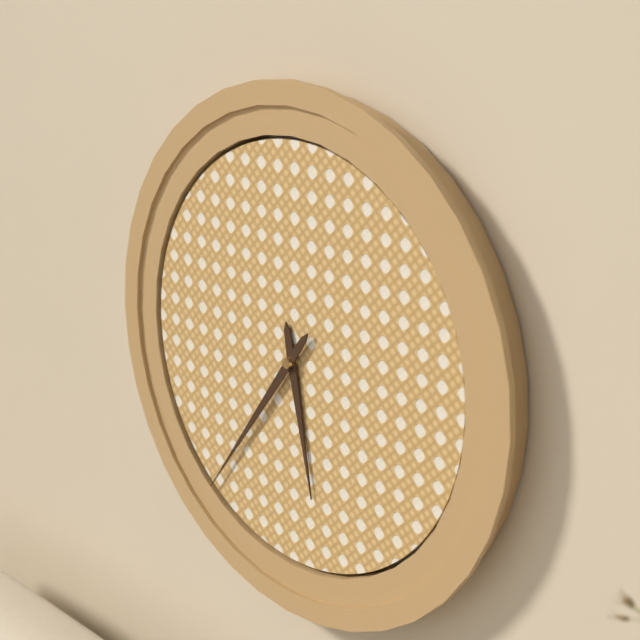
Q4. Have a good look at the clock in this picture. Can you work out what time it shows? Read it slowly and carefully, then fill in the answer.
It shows 5:36
